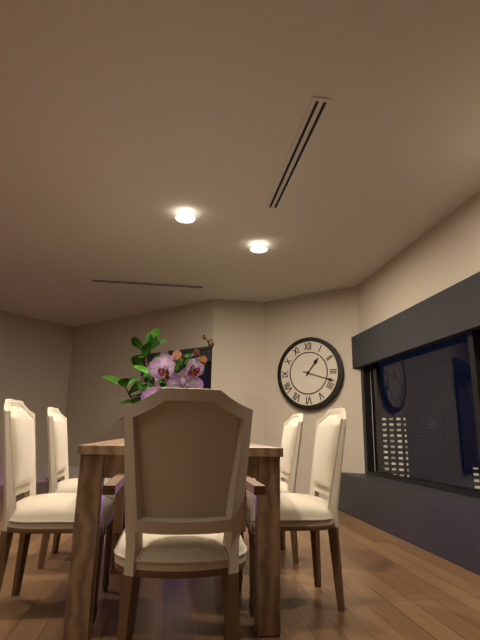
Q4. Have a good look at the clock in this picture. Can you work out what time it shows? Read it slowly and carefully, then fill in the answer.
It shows 1:18
